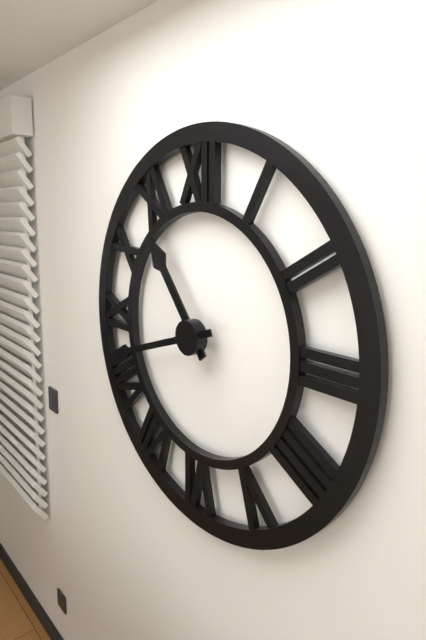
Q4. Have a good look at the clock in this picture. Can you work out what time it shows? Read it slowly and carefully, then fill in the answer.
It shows 10:42
